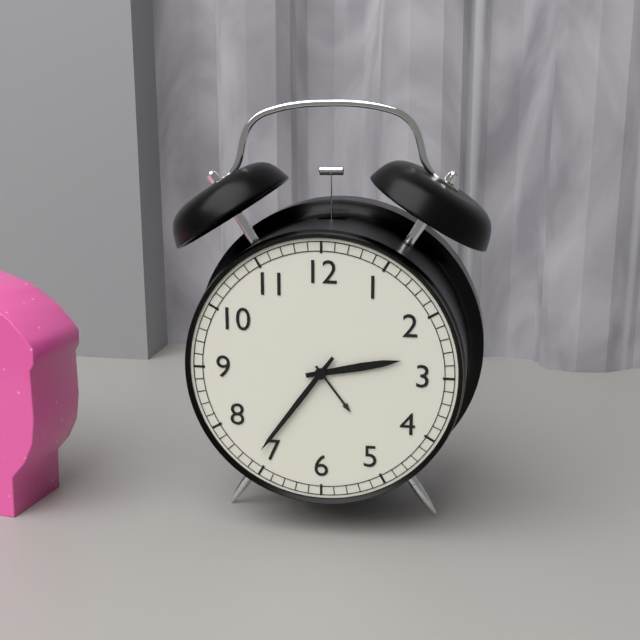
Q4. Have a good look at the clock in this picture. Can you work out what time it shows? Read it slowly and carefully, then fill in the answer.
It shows 2:36
